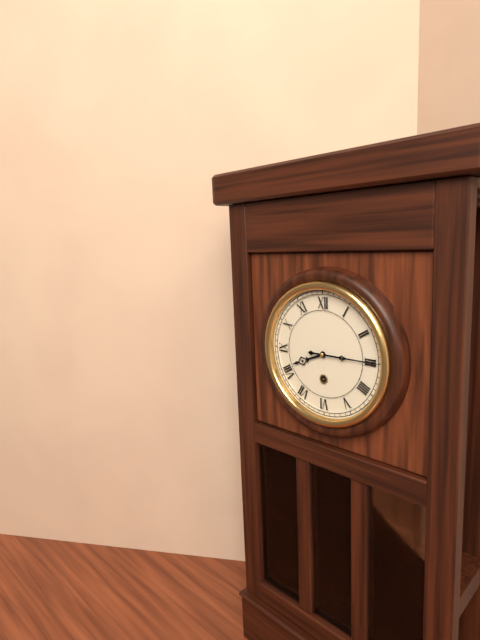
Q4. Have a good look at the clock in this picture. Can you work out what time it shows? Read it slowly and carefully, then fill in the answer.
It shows 8:15
